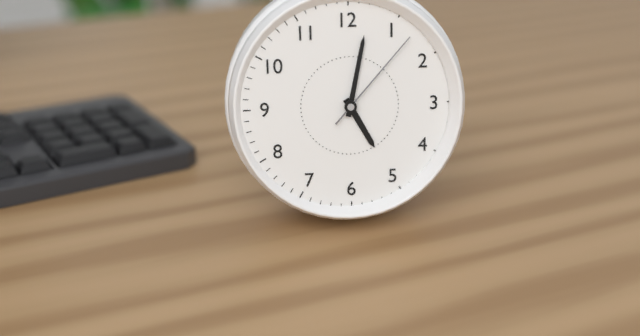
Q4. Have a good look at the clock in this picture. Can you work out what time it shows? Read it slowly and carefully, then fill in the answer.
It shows 5:02:07
